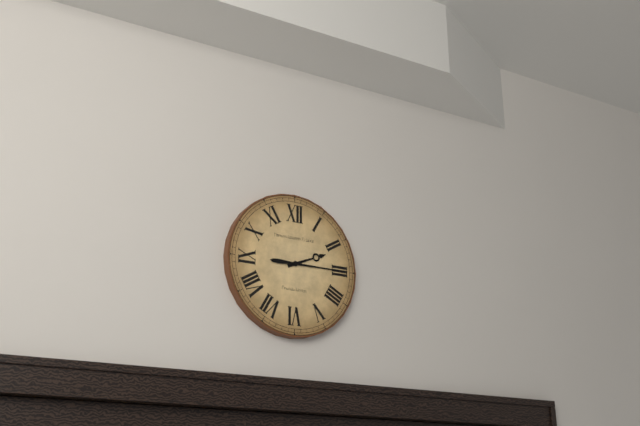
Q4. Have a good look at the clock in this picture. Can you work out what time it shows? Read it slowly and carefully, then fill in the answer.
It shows 2:15
